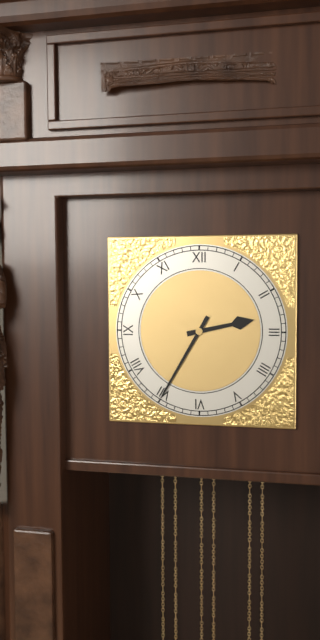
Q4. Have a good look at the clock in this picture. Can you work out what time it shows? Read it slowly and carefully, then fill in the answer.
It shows 2:35
